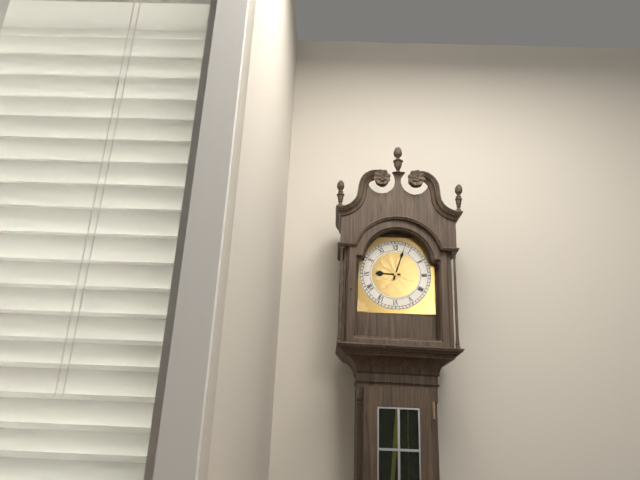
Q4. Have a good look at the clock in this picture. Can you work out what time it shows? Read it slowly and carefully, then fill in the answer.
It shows 9:03
